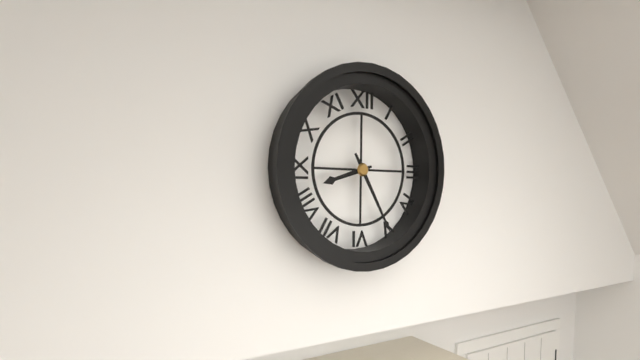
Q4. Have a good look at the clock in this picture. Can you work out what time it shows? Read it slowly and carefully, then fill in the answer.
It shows 8:25
